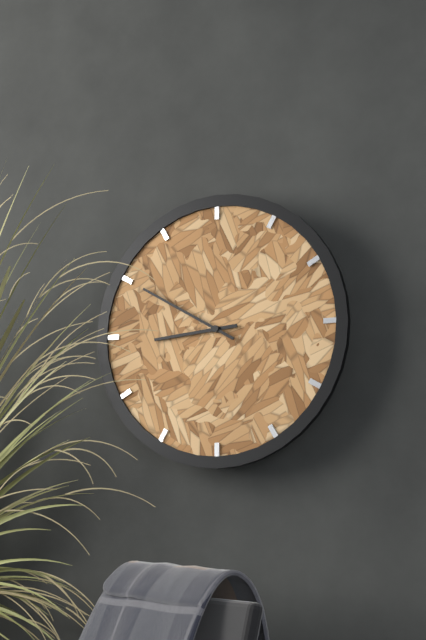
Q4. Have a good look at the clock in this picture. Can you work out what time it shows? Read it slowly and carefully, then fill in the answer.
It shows 8:50
